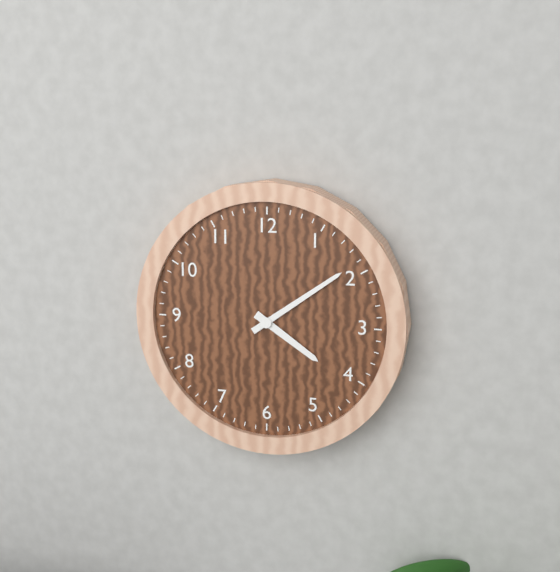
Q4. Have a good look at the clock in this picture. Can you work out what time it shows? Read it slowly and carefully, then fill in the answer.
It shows 4:09
